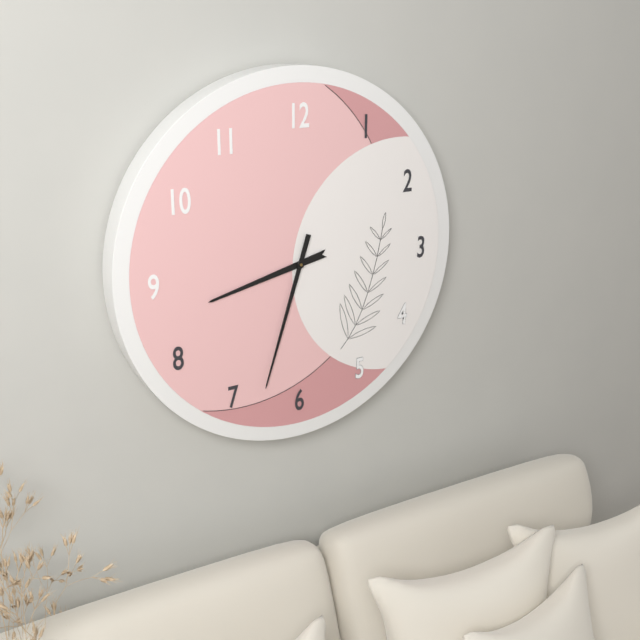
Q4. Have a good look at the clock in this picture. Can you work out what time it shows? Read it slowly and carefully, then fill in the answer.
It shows 8:33
